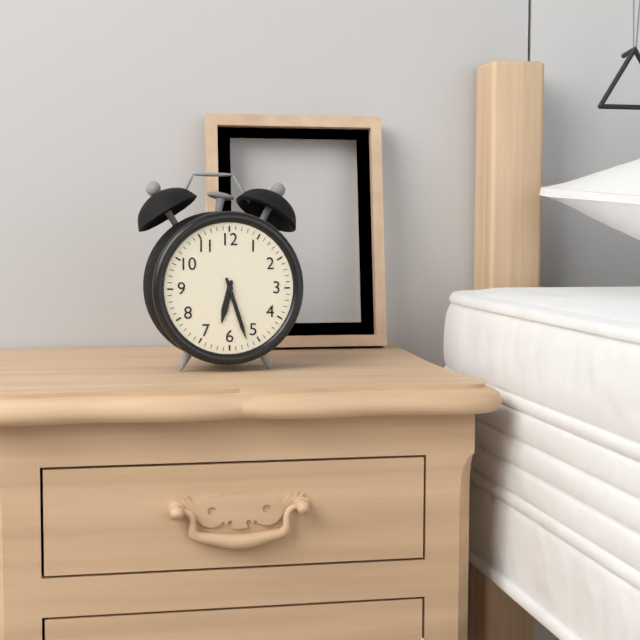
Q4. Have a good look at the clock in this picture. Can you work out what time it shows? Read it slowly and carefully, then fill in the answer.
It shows 6:27
